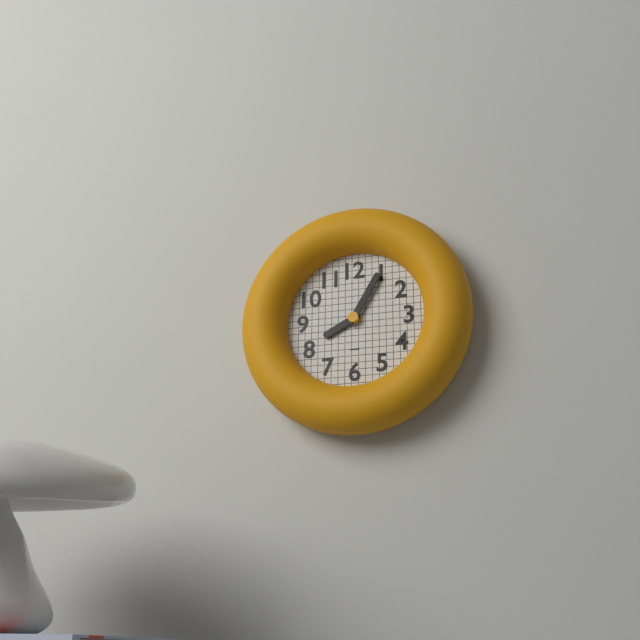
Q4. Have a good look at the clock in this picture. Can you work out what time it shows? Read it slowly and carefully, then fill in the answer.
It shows 8:05
